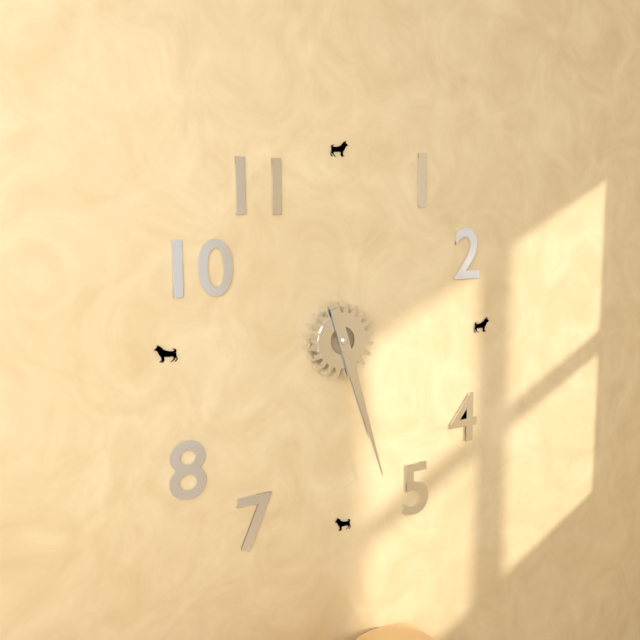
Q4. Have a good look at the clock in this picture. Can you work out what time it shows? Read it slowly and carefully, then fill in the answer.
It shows 5:27
